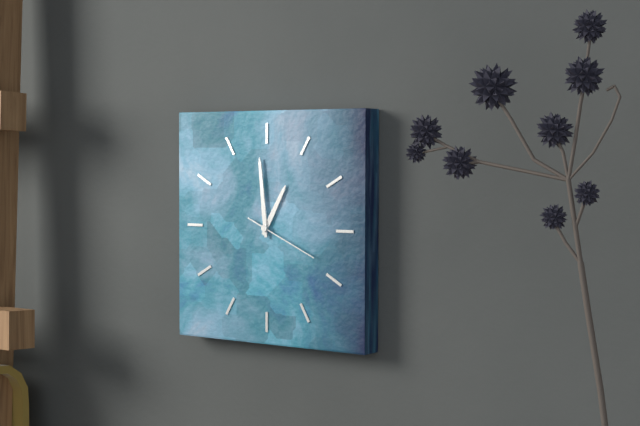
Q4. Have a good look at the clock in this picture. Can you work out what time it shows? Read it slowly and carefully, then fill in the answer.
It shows 12:59:19
